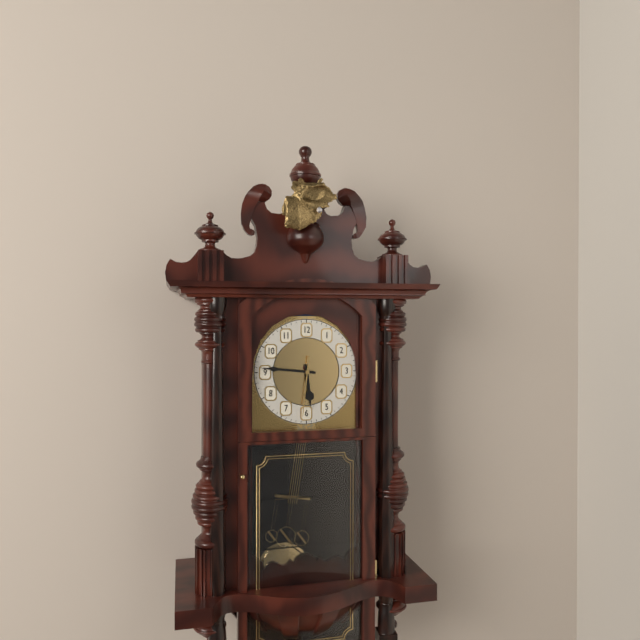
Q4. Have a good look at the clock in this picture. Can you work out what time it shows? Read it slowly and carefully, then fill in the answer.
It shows 5:46:31
